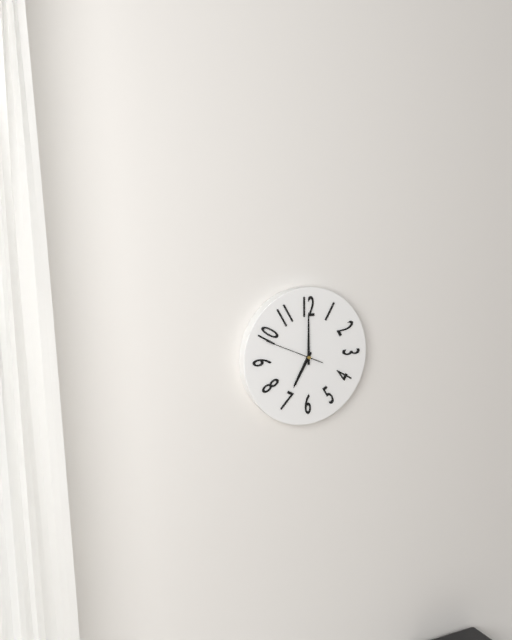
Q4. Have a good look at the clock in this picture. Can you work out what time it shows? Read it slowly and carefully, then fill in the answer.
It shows 7:00
